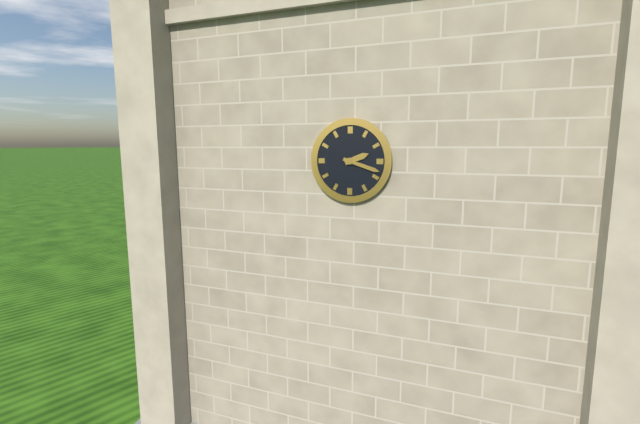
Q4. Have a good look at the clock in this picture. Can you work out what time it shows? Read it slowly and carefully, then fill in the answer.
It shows 2:18
